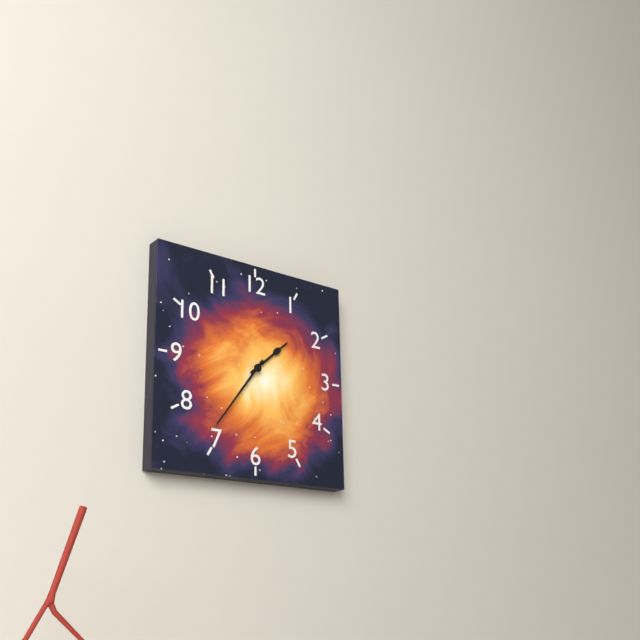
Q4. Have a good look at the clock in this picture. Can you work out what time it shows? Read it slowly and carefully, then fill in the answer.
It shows 1:36
